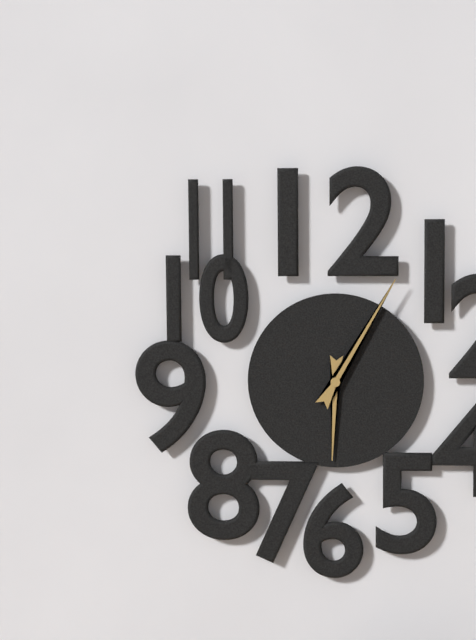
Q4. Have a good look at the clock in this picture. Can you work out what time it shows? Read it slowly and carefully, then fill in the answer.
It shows 6:05
